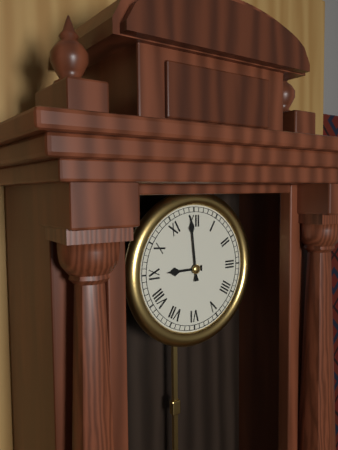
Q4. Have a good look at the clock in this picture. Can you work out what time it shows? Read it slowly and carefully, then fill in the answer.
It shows 8:59
